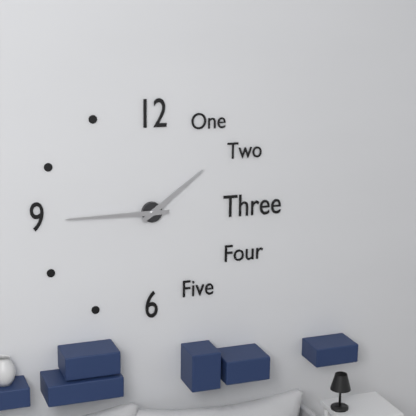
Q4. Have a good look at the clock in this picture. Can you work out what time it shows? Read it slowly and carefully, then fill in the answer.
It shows 1:45
